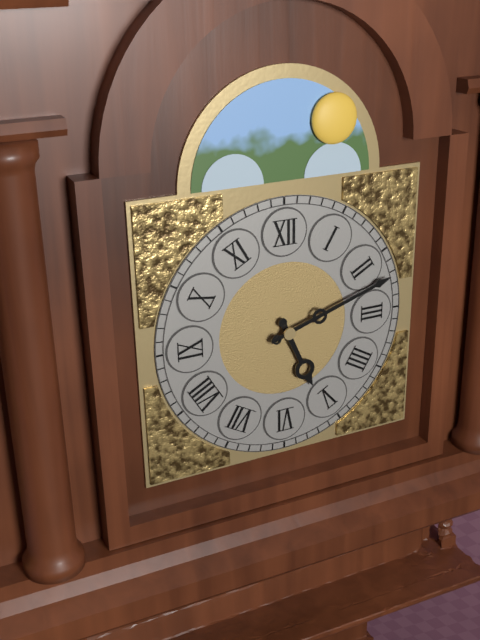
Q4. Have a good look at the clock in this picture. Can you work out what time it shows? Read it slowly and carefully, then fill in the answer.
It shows 5:12
